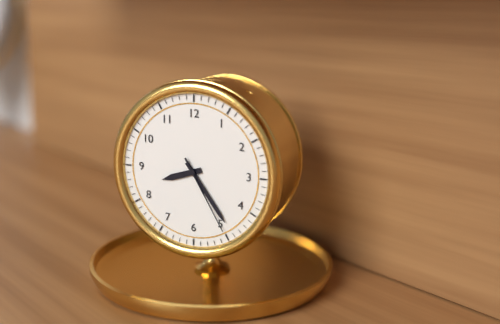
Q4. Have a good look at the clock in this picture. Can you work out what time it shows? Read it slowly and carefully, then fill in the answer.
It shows 8:24:25
